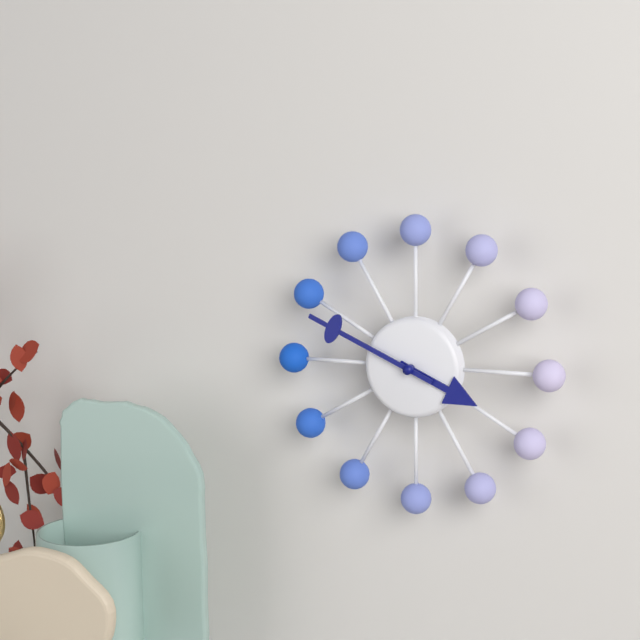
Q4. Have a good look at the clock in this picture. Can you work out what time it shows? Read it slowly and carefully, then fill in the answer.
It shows 3:49
